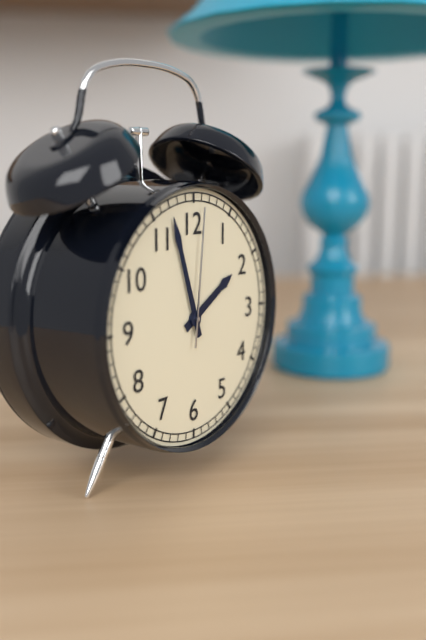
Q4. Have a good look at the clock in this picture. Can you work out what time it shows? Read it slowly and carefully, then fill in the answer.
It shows 1:57:01
